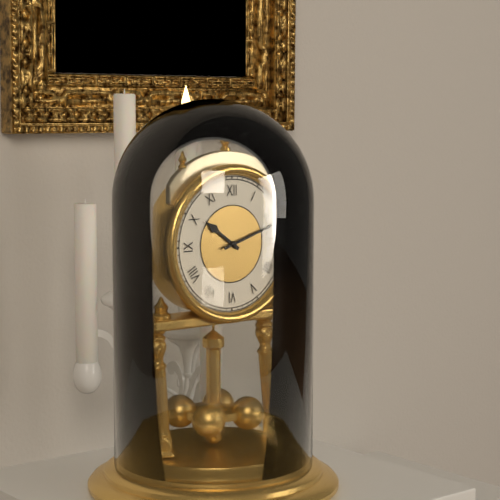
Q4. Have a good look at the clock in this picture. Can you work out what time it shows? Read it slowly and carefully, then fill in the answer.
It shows 10:12
